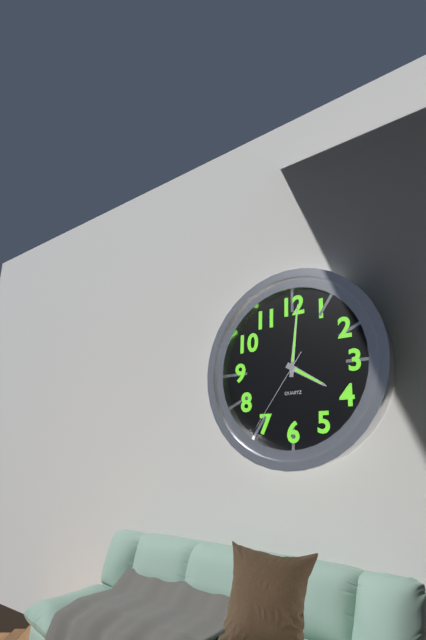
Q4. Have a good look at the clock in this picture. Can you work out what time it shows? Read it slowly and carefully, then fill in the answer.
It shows 4:01:36
